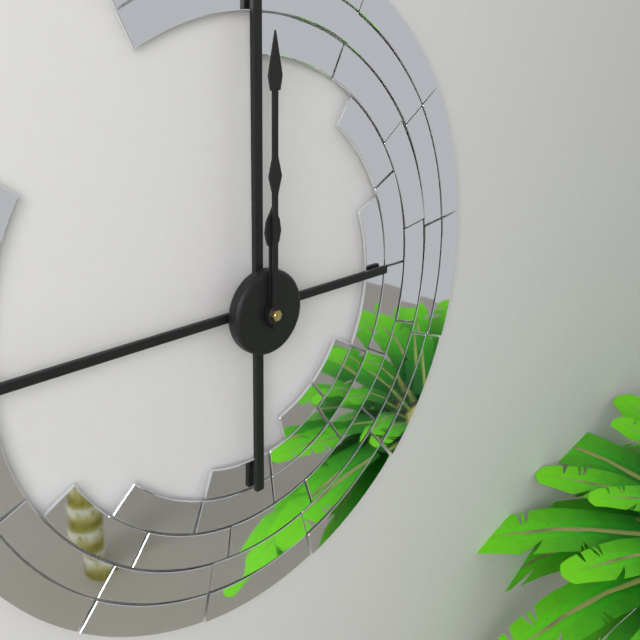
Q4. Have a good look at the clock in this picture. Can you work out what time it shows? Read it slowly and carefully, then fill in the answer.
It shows 12:00
